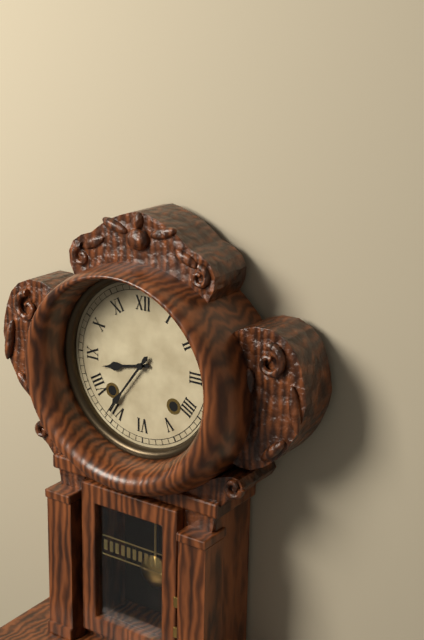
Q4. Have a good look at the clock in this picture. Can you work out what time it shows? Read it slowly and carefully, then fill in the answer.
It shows 8:36
